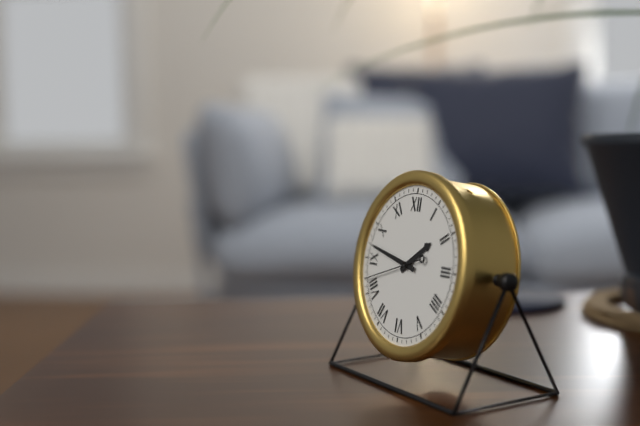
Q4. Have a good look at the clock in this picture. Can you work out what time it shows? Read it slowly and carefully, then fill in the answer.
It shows 1:47:42
